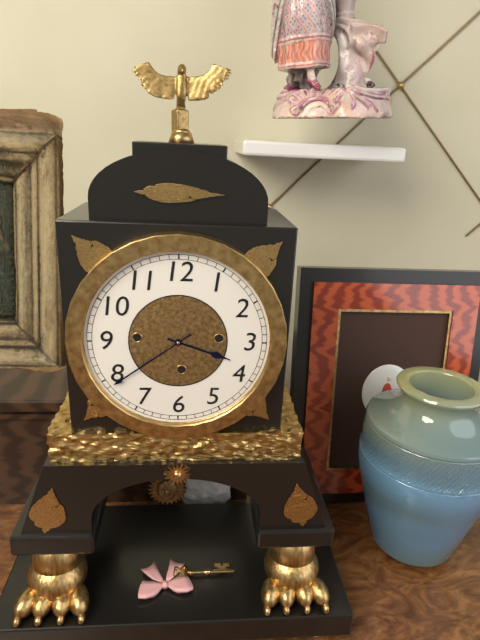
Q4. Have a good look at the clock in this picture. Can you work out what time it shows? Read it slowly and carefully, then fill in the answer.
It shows 3:39
